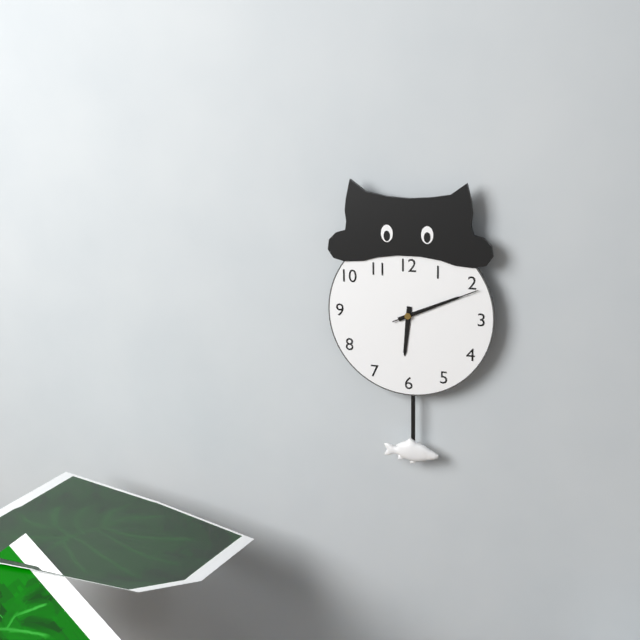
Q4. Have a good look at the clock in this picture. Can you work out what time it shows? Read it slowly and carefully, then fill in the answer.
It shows 6:11:11
